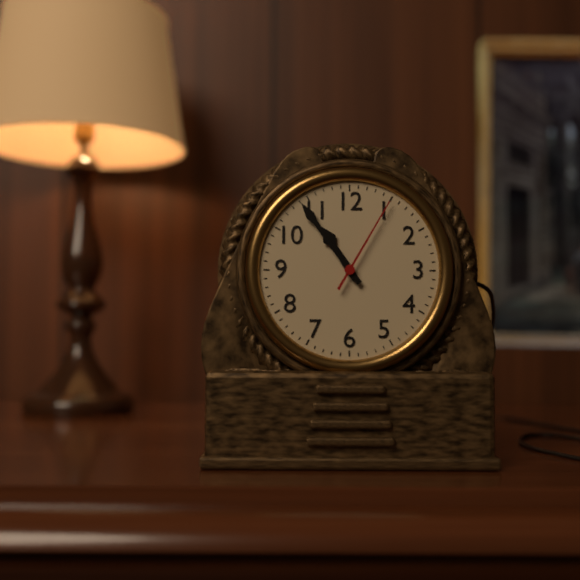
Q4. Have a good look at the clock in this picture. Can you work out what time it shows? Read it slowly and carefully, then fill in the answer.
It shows 10:54:05
